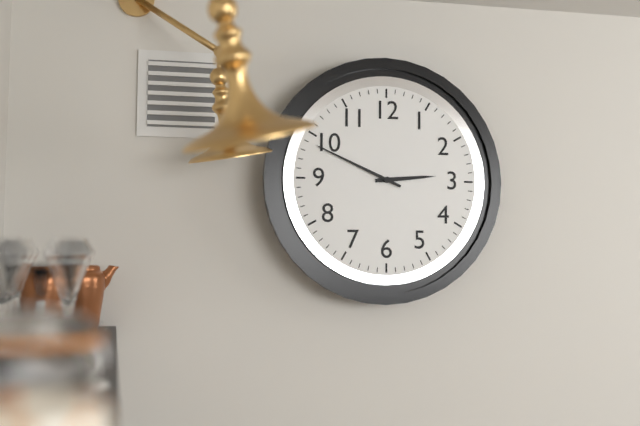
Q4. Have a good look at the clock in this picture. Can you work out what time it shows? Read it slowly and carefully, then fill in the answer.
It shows 2:49
